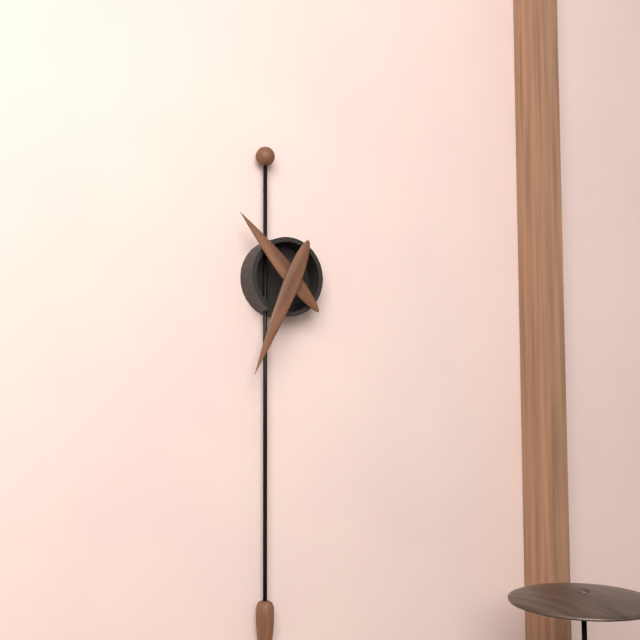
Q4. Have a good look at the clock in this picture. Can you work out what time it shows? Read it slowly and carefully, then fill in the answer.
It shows 10:34
